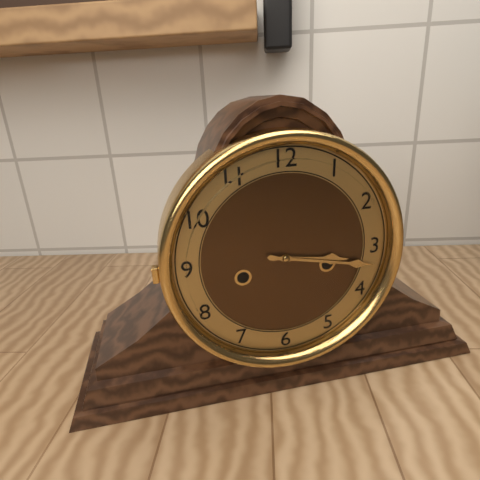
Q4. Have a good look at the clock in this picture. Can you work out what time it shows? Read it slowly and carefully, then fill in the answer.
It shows 3:17
